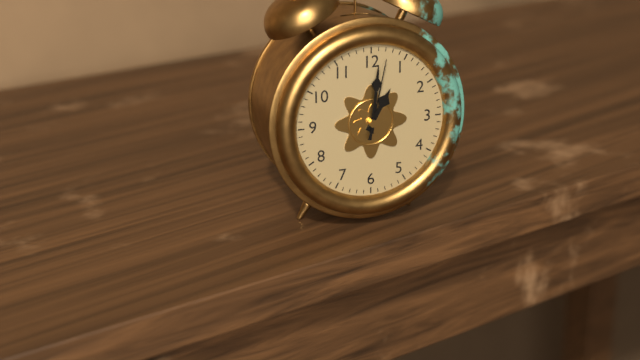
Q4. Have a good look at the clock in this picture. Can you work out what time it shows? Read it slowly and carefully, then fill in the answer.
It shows 1:01:02
